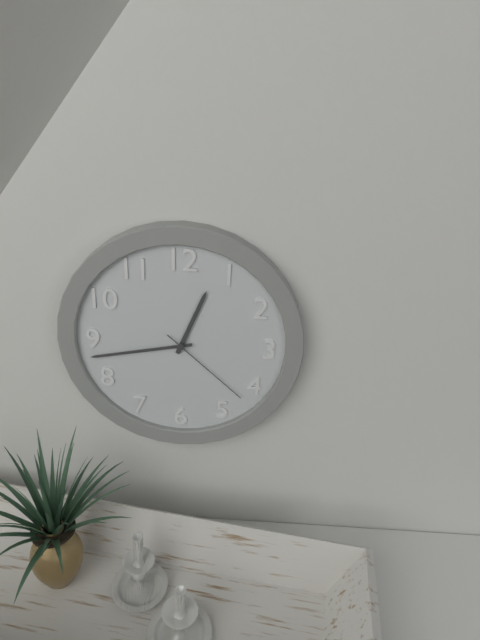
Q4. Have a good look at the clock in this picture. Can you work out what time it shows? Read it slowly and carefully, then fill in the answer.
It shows 12:43:22
